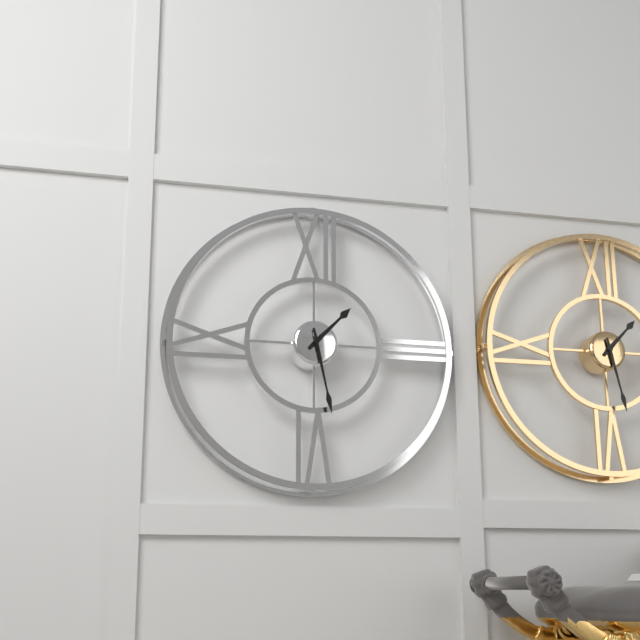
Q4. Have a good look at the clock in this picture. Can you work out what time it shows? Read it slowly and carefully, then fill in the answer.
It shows 1:28
